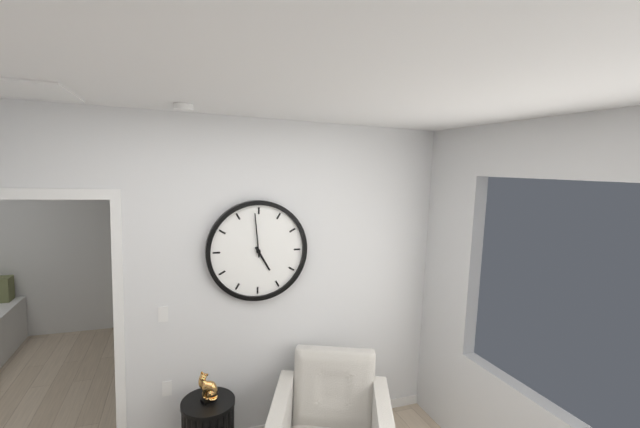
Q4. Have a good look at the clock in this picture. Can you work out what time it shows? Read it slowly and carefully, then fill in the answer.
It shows 4:59
